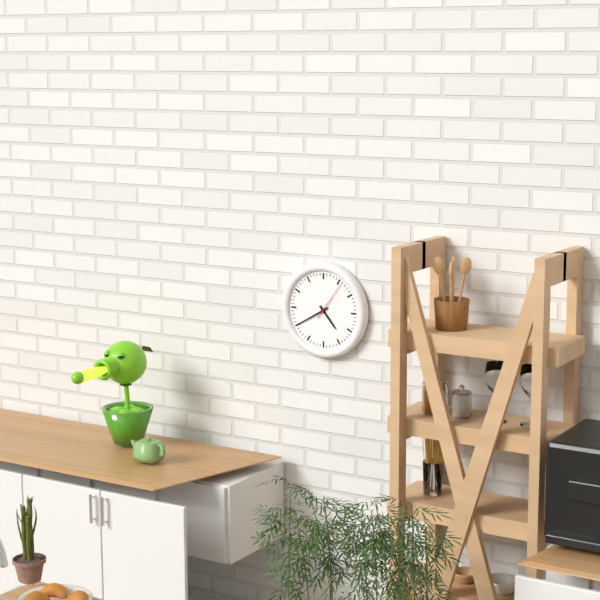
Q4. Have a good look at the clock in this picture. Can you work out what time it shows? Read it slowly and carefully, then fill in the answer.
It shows 4:40
